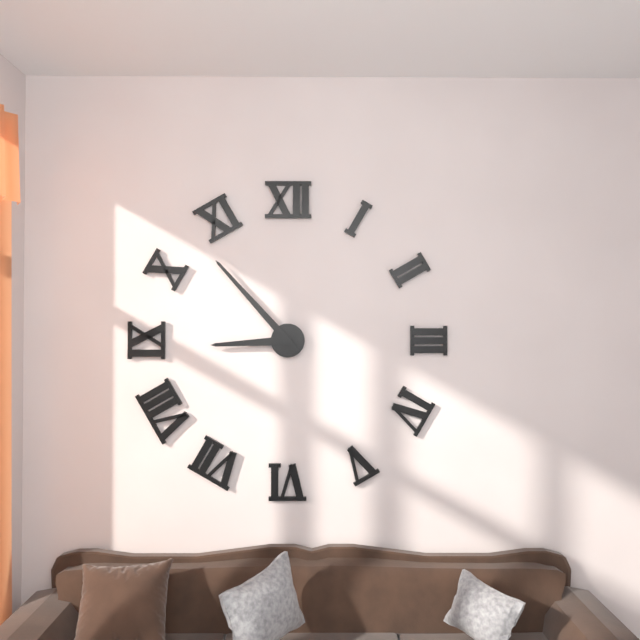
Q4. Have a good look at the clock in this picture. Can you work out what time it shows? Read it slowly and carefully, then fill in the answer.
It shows 8:53
